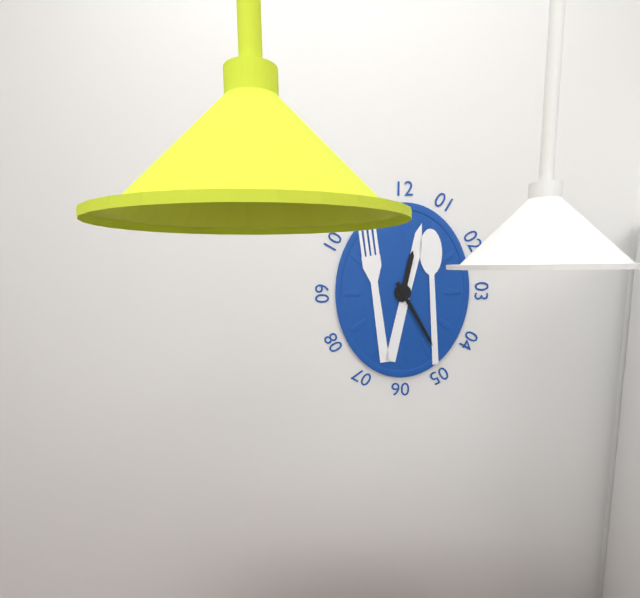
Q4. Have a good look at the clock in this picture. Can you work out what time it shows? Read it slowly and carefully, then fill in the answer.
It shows 12:25
